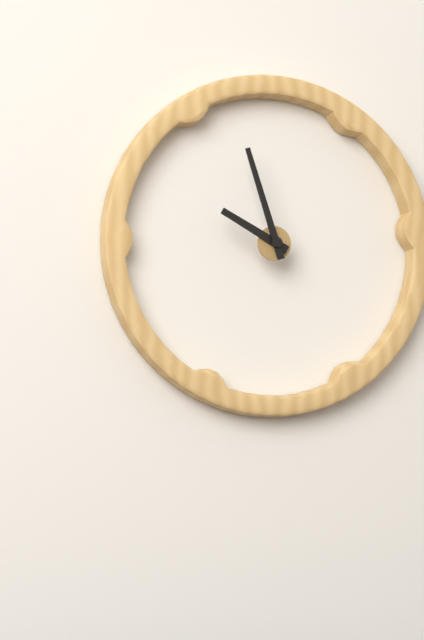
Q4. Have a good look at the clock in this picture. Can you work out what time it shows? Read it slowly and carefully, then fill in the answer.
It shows 9:57
